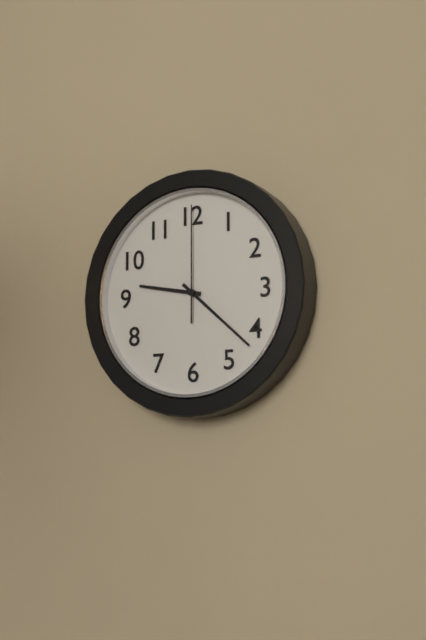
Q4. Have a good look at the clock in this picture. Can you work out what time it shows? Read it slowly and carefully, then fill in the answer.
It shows 9:22:00
